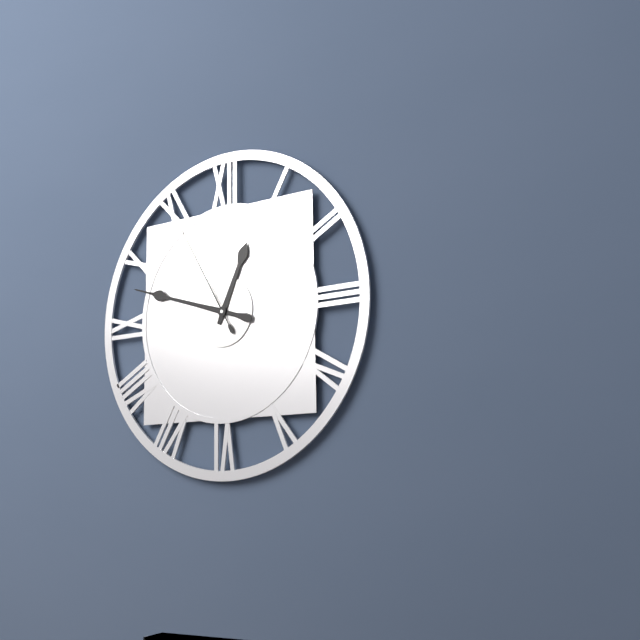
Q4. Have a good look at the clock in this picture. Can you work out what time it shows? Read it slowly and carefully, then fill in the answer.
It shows 12:48:55
